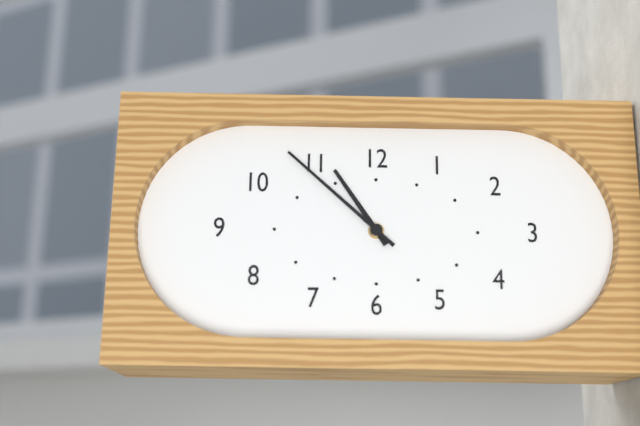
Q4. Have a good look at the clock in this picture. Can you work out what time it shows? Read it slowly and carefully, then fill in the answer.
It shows 10:52
